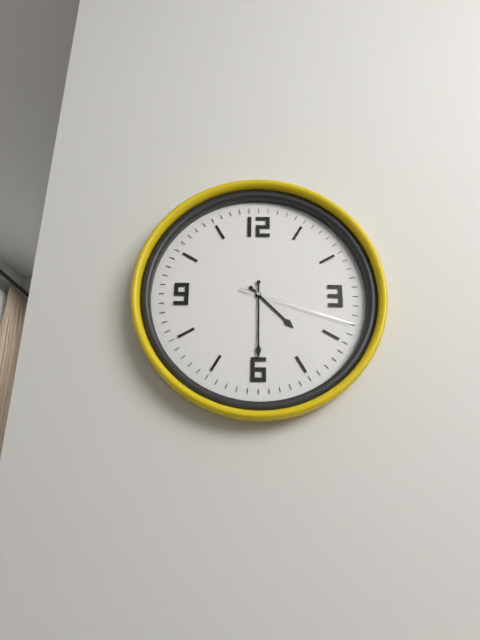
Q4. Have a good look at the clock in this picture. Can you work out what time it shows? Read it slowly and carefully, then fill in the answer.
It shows 4:30:18
